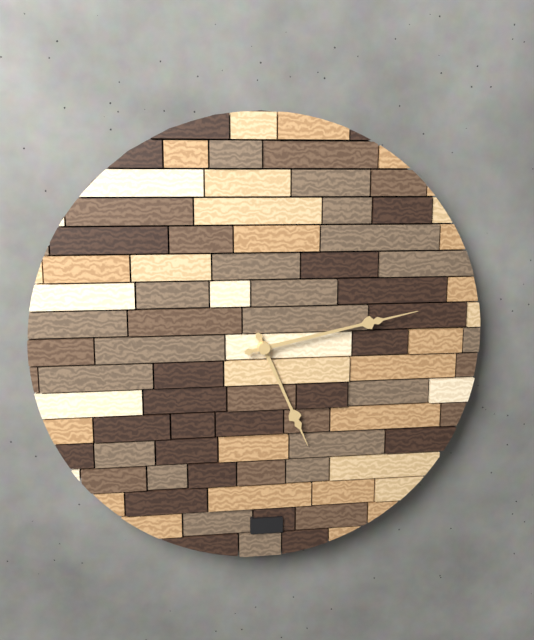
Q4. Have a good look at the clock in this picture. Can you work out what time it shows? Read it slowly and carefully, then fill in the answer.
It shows 5:13
